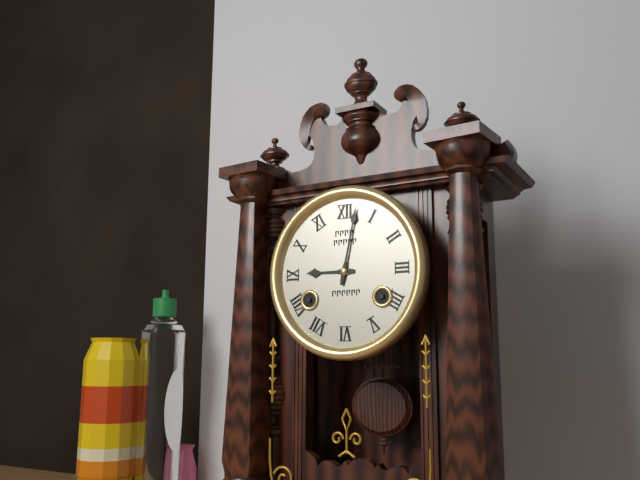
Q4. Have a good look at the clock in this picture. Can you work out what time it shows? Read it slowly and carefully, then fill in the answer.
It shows 9:02
